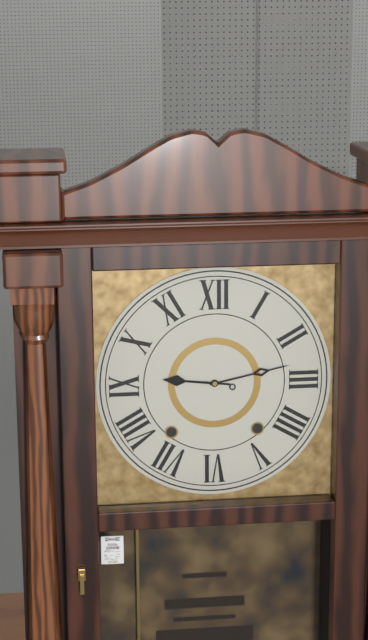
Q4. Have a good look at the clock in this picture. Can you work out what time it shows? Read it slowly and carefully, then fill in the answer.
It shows 9:13
